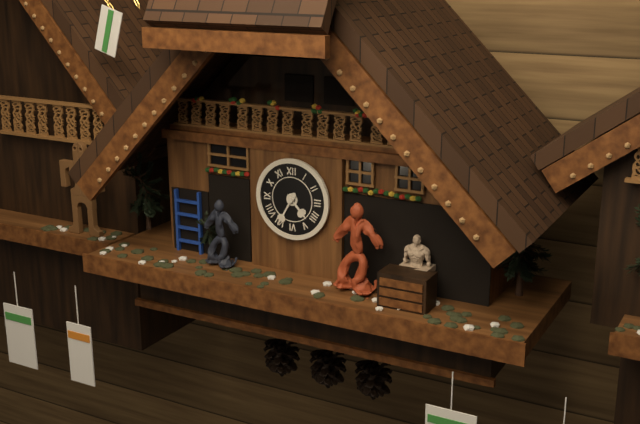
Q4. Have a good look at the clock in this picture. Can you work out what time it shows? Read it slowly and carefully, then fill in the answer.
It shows 4:35
